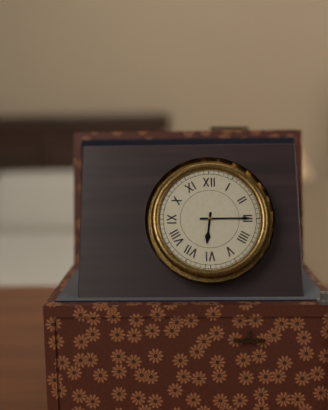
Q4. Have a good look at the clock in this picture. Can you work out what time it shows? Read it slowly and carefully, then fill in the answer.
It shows 6:15
